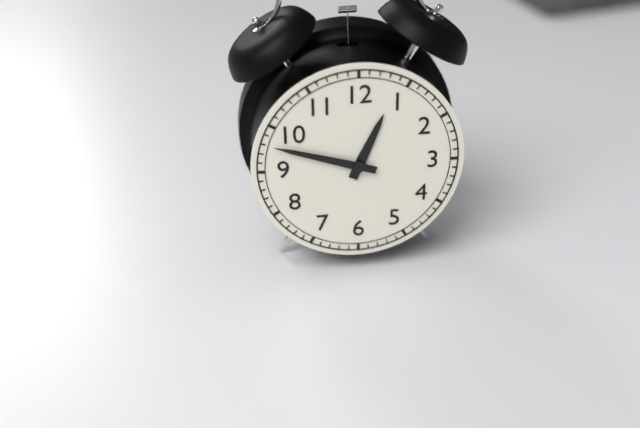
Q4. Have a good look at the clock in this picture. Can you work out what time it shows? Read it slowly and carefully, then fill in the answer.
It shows 12:48
